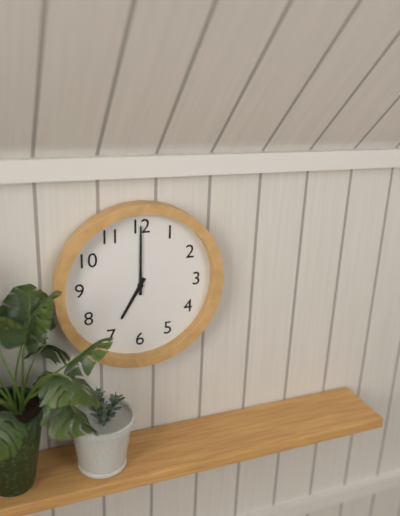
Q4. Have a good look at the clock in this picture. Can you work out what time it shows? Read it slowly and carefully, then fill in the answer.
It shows 7:00
